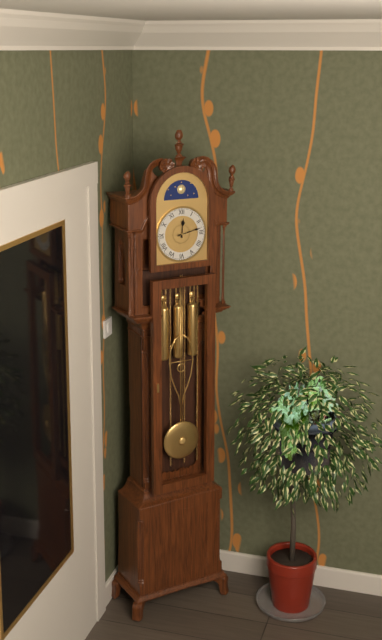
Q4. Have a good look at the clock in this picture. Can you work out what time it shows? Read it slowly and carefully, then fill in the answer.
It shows 12:13
